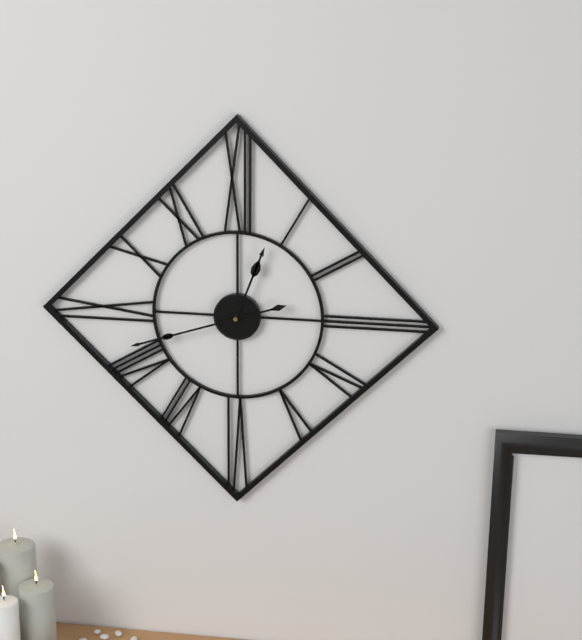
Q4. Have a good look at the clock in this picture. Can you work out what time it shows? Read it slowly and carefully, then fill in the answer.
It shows 12:42
